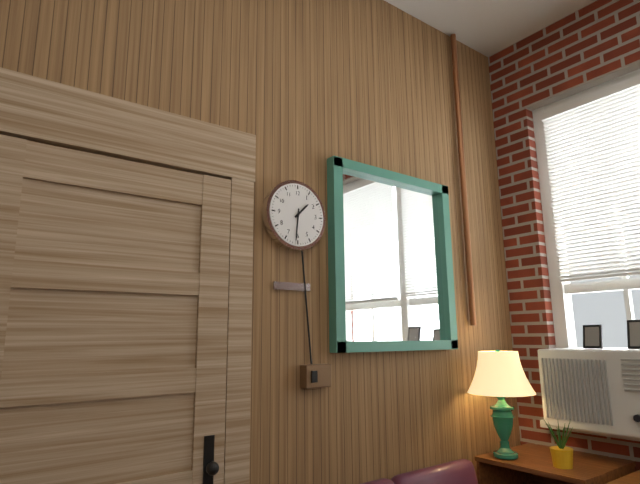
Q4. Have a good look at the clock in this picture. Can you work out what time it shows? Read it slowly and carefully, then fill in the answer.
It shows 1:31
